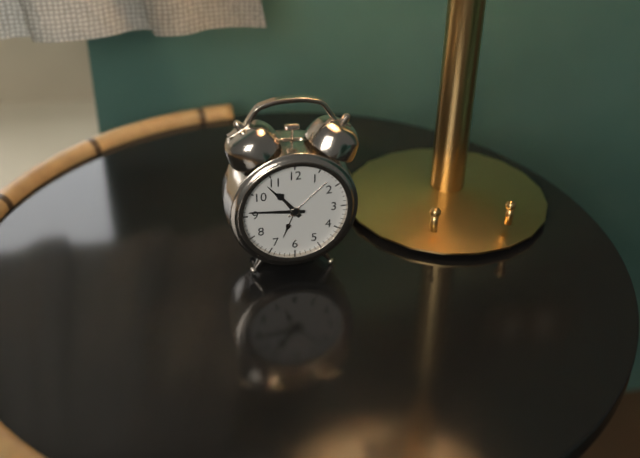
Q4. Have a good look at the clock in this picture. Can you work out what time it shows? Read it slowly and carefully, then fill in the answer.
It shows 10:46
